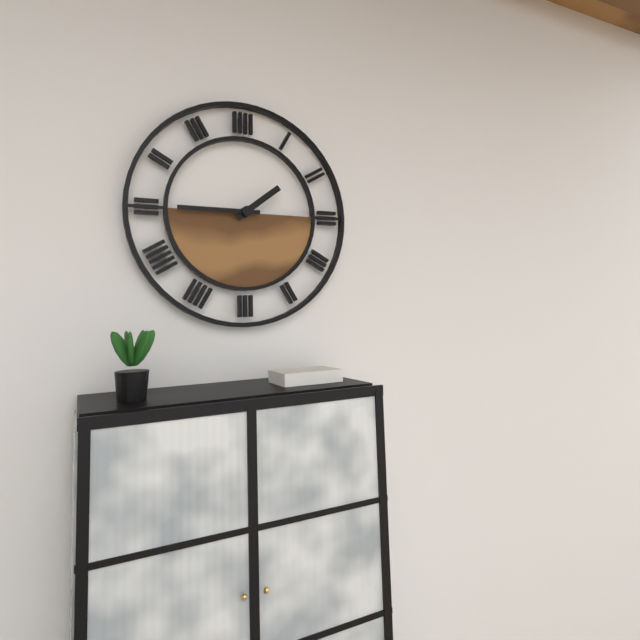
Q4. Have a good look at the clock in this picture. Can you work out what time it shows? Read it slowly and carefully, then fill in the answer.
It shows 1:45
